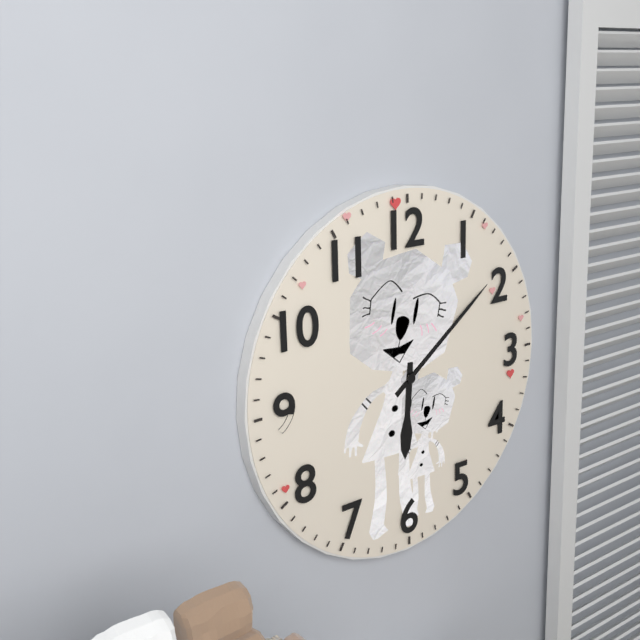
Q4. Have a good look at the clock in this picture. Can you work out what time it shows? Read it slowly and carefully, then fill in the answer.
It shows 6:09
